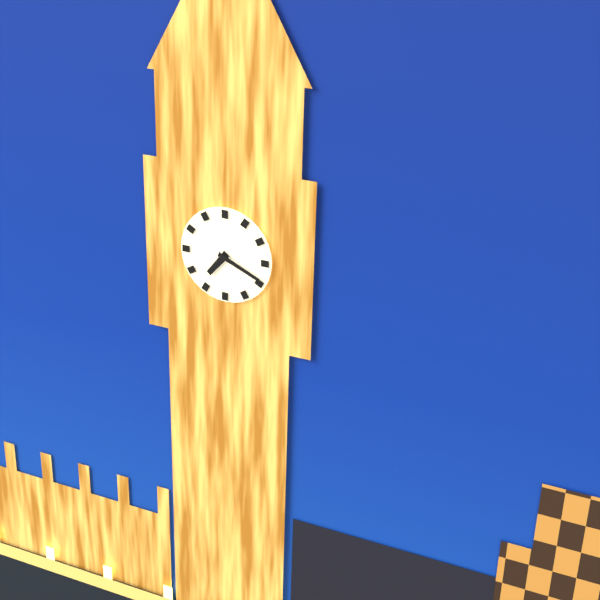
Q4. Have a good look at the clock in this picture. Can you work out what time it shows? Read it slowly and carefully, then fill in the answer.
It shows 7:19
